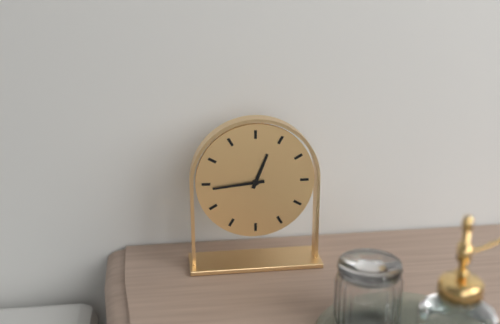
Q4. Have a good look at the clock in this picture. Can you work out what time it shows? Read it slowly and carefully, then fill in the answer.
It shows 12:44
